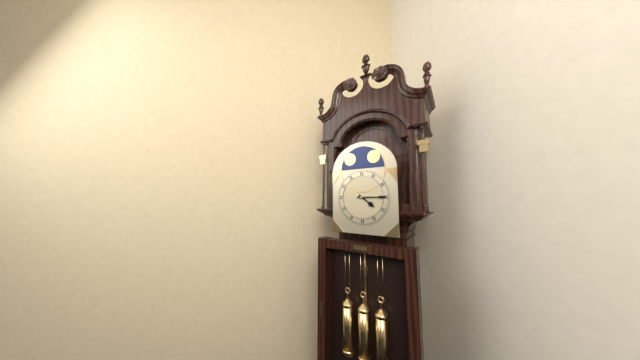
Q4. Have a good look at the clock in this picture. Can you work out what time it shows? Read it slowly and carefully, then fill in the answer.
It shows 4:15
